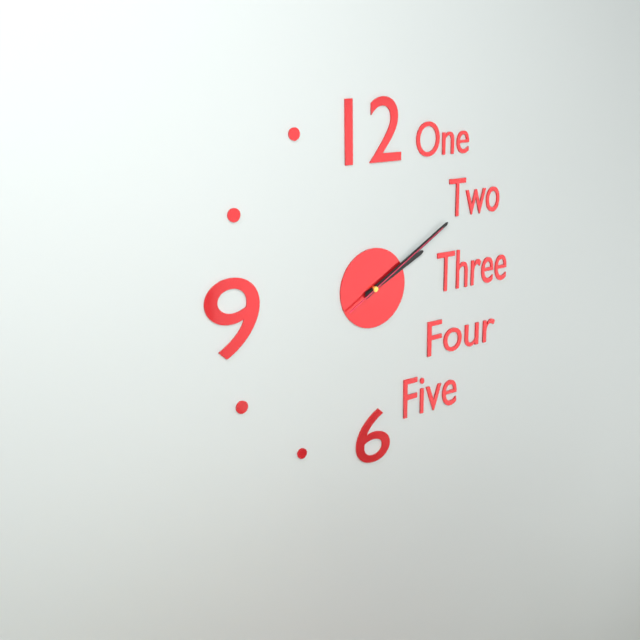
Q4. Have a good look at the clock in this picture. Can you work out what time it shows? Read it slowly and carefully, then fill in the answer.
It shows 2:10:10
